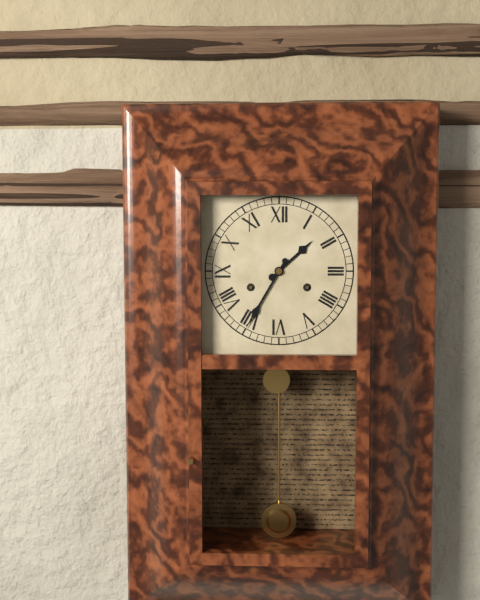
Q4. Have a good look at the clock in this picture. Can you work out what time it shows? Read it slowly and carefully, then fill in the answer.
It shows 1:35
